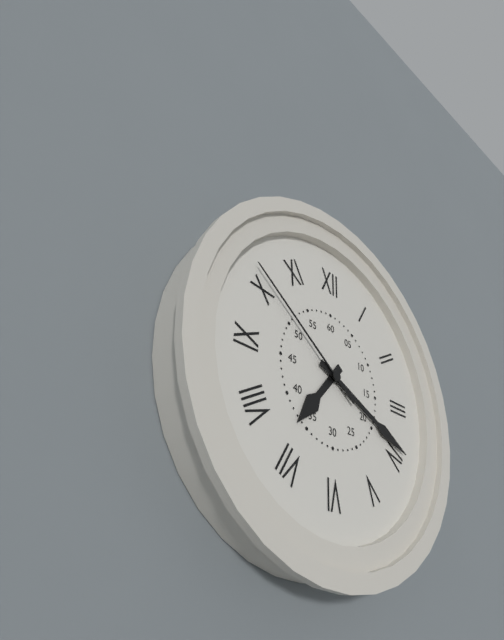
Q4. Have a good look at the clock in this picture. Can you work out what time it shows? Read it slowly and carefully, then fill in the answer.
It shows 7:19:51
